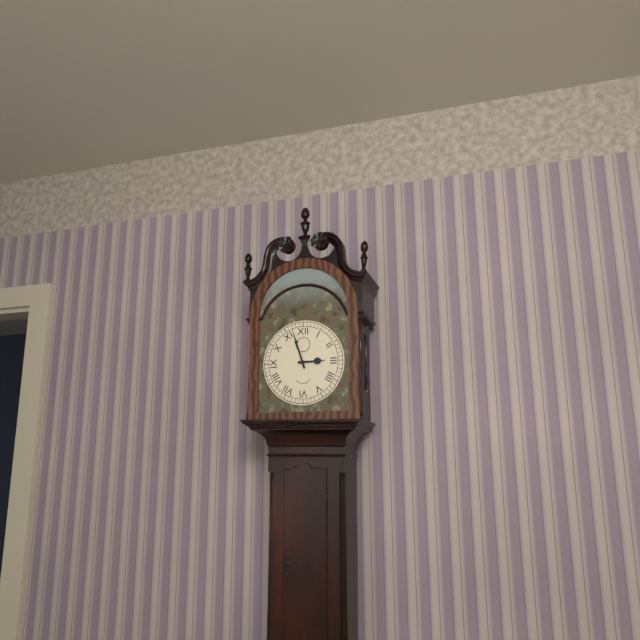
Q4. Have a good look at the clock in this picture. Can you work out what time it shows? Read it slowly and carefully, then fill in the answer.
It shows 2:57
